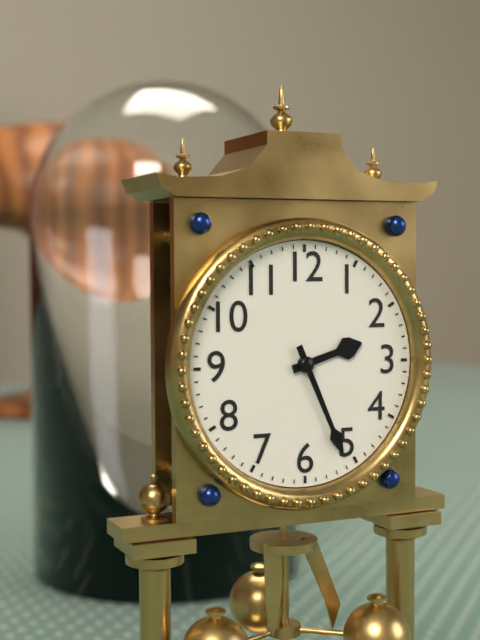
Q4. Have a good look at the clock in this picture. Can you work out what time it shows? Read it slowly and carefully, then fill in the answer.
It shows 2:26
